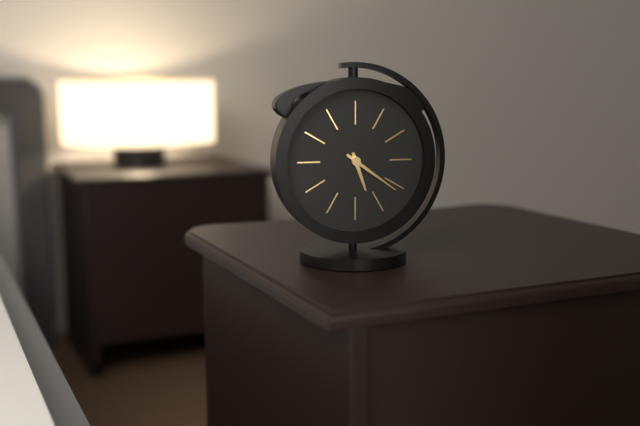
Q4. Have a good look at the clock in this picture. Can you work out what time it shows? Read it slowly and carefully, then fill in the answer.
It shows 5:21
